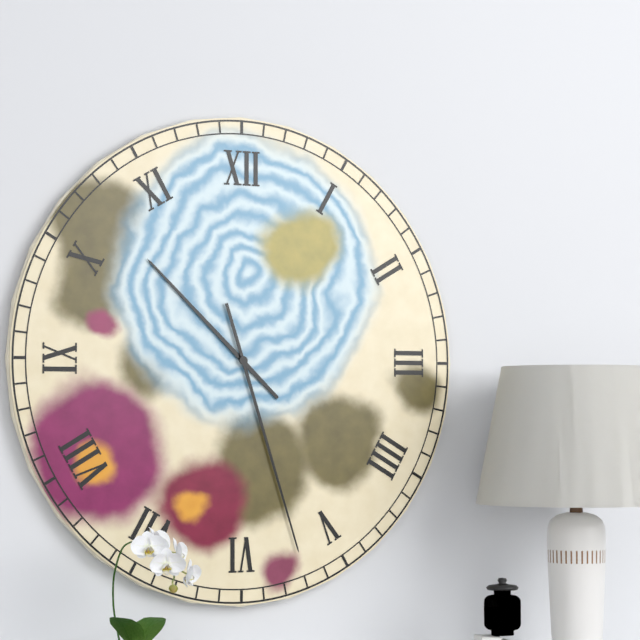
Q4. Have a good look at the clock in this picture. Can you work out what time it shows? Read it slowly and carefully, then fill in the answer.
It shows 10:27
